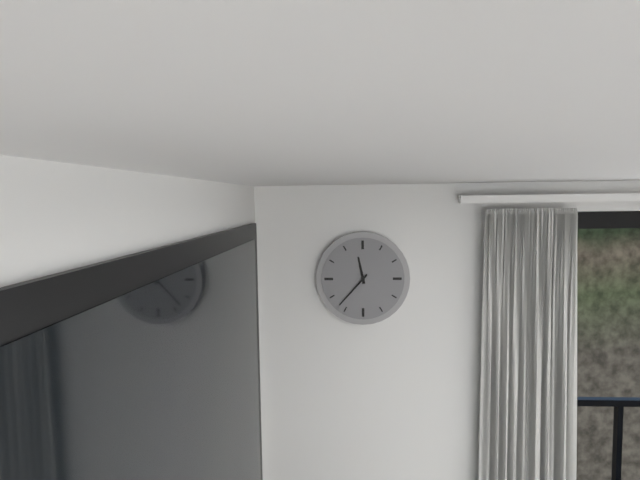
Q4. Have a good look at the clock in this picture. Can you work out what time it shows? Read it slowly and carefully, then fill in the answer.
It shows 11:37
